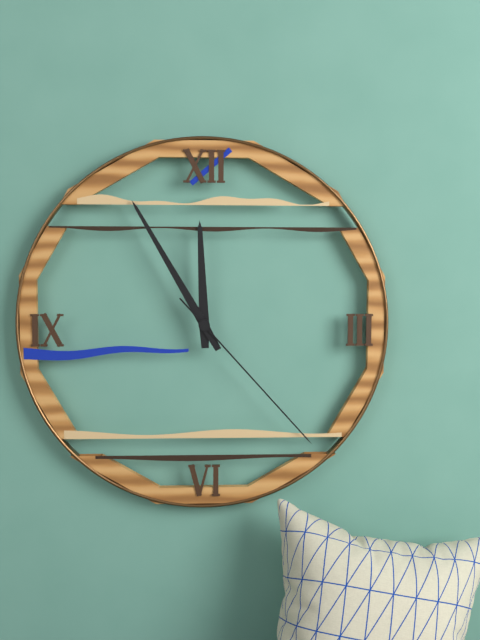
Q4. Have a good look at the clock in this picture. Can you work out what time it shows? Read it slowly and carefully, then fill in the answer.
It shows 11:55:23
